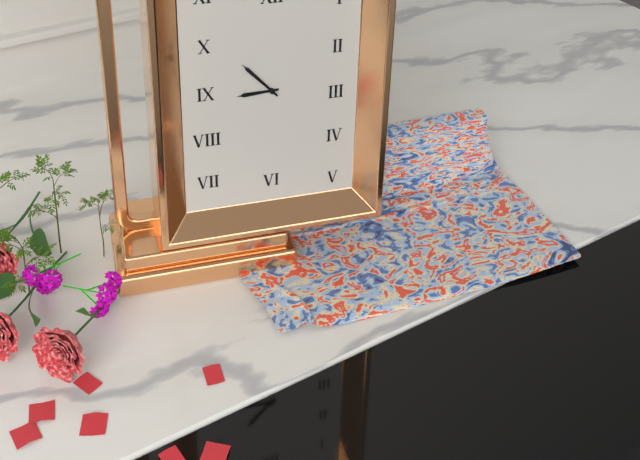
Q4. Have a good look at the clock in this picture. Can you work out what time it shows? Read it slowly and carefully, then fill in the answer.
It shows 8:53
